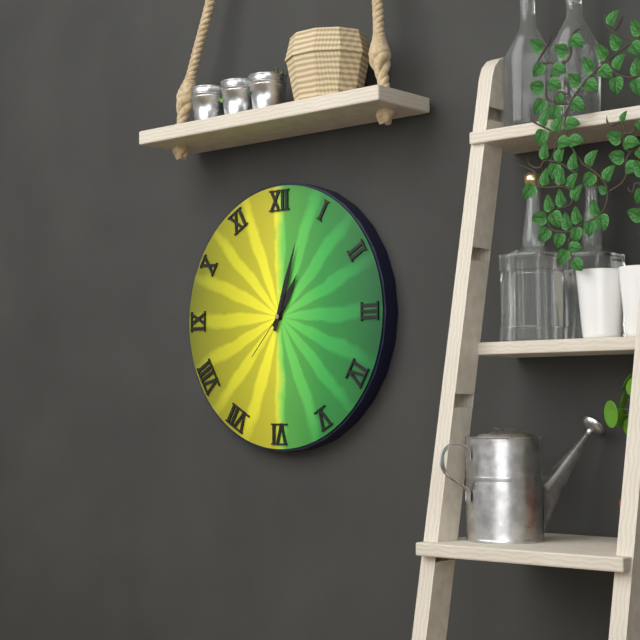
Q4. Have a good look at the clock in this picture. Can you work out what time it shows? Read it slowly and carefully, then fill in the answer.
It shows 1:03:37
